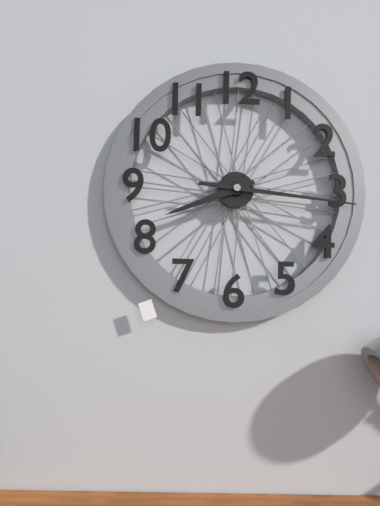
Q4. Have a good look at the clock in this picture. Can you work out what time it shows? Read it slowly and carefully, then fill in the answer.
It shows 8:16
